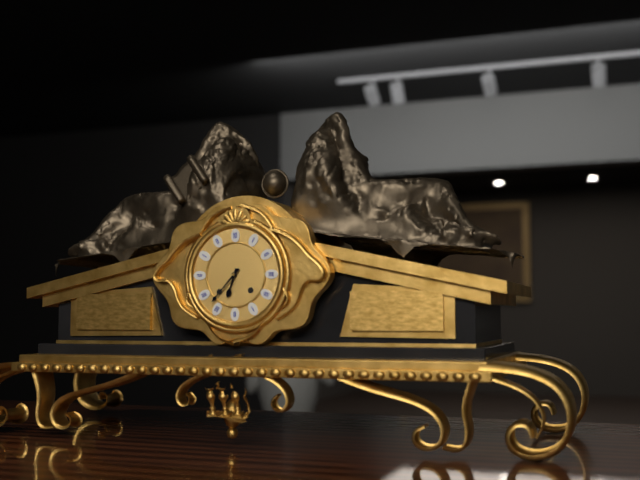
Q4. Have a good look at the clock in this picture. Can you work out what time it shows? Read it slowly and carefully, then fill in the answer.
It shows 6:37
